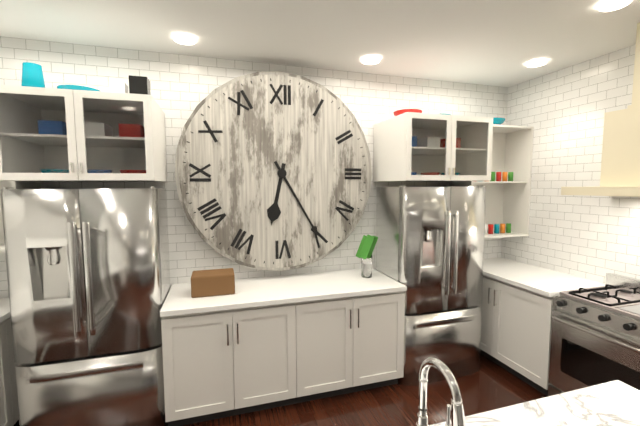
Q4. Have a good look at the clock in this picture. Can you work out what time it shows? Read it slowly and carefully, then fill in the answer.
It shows 6:25
